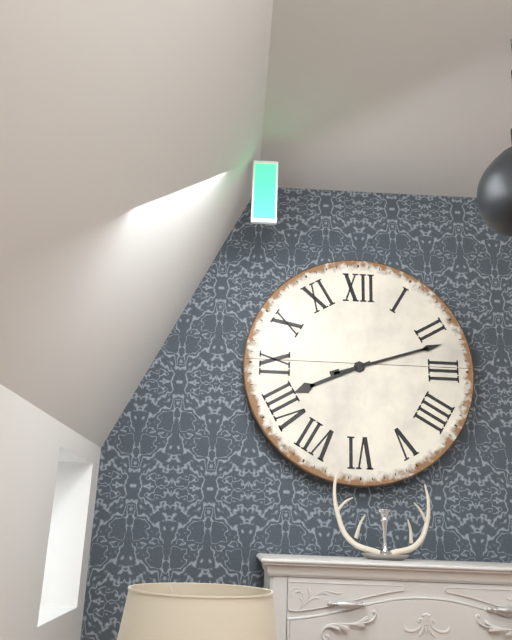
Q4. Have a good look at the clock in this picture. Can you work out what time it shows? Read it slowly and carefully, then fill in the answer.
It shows 8:12
